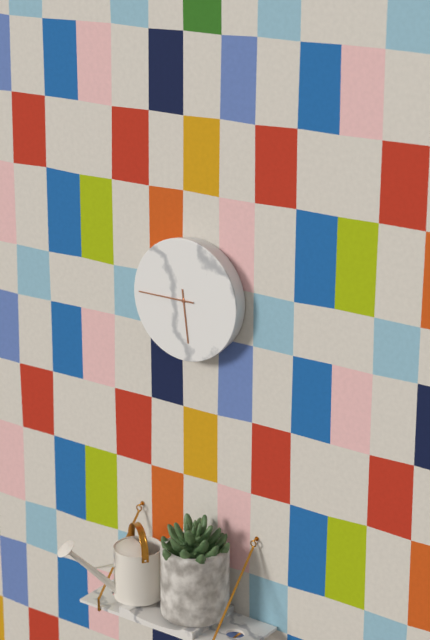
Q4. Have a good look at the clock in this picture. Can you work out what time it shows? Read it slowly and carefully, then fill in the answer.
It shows 5:45
